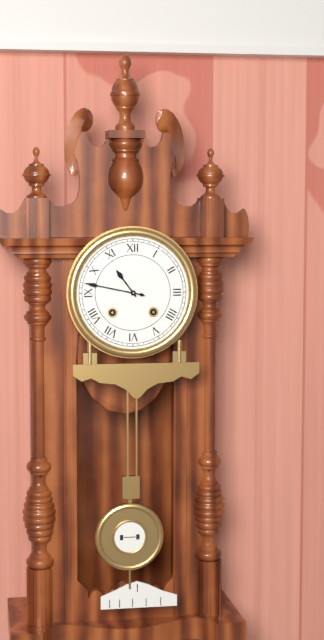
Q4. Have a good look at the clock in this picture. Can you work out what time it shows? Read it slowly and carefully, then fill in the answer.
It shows 10:47
